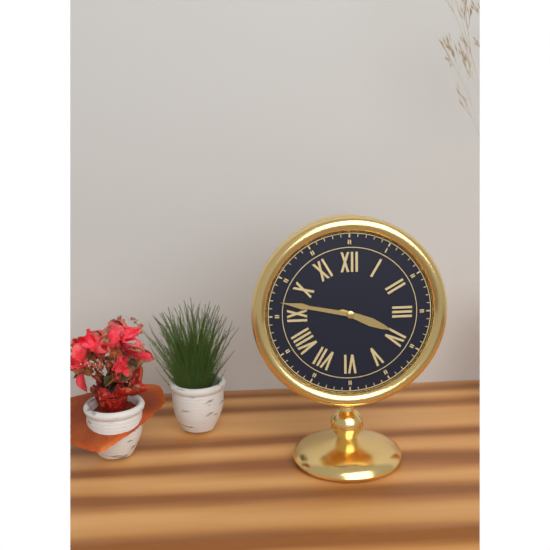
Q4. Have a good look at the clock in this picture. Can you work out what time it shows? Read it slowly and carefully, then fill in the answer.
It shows 3:47
